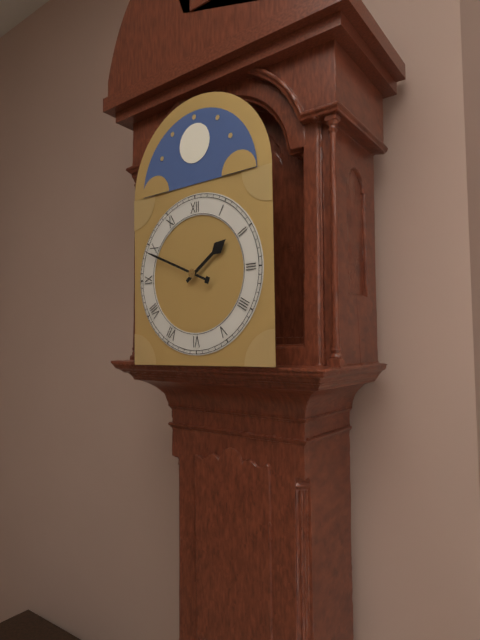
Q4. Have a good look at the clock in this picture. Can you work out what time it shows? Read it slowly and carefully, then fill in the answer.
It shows 1:49
